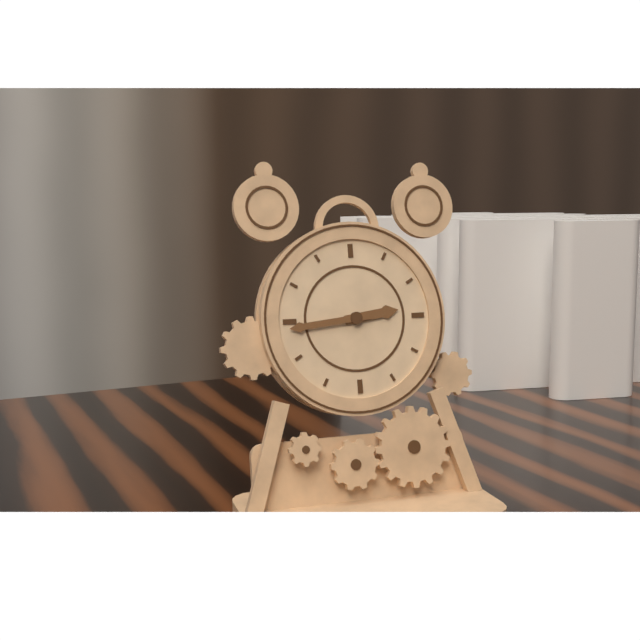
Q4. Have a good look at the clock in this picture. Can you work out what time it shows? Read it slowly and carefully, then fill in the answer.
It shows 2:44
